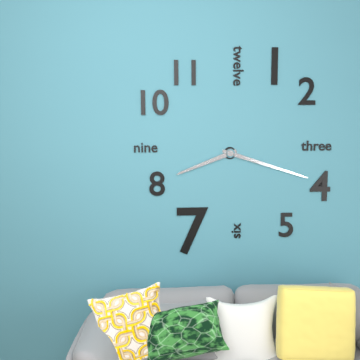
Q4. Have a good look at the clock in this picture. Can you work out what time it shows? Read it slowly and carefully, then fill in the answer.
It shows 8:18
